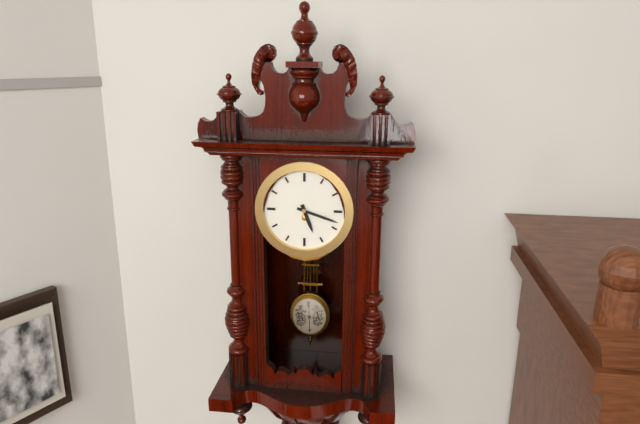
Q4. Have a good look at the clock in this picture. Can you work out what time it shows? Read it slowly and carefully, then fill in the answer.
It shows 5:18
